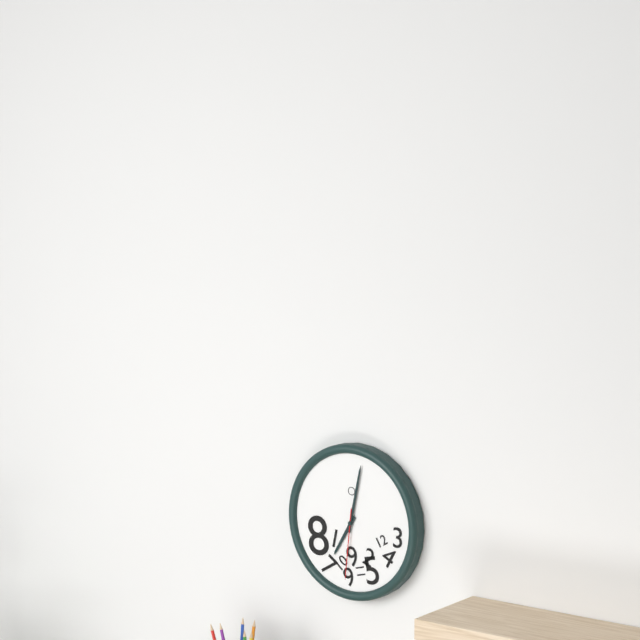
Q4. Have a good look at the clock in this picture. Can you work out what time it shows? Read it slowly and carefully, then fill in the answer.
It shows 7:02:31
